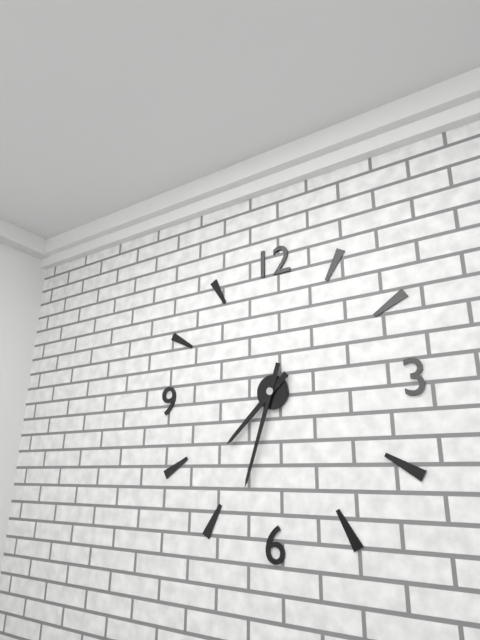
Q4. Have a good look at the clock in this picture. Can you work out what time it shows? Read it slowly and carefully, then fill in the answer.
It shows 7:33
